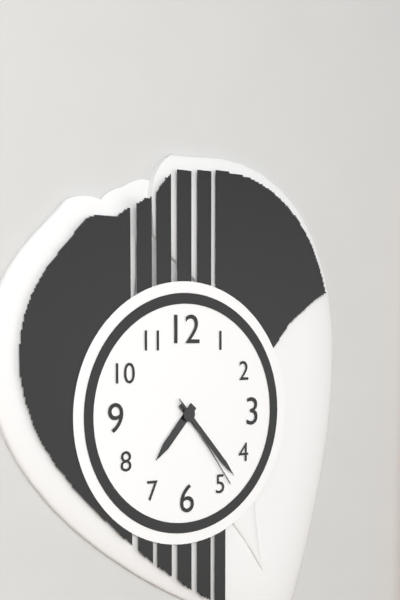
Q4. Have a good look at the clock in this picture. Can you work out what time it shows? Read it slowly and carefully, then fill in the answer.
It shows 7:23:24
